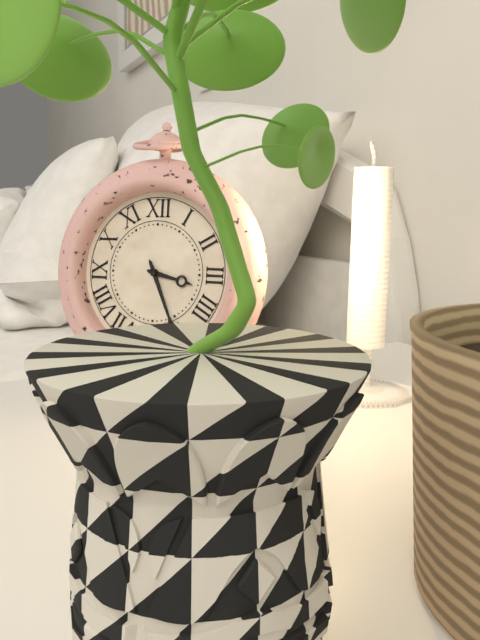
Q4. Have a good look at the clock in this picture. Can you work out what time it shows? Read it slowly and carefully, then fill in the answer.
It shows 3:26
